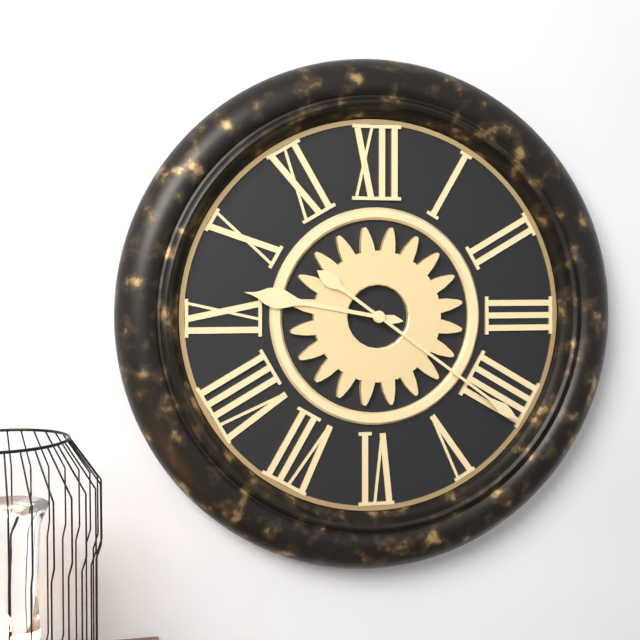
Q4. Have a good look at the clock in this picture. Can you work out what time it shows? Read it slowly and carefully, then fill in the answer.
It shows 9:21
